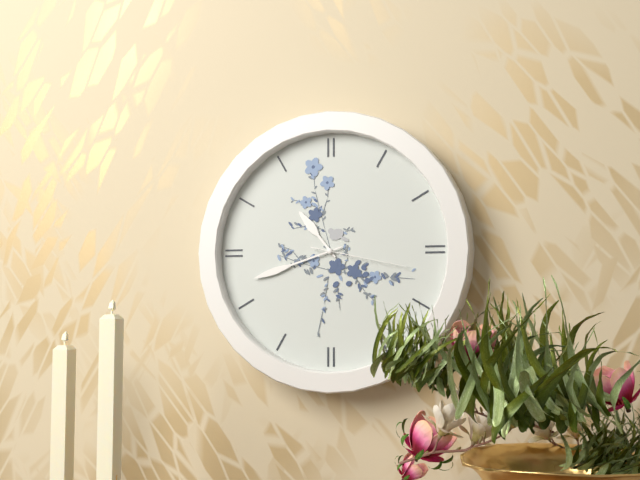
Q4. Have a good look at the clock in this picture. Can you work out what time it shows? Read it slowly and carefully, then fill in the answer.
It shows 10:42:17
